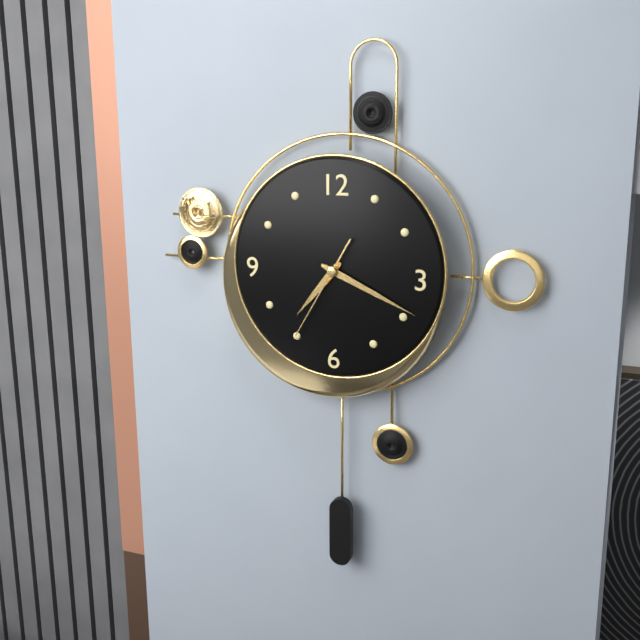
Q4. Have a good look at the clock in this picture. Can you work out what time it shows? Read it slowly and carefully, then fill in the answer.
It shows 7:19:35
